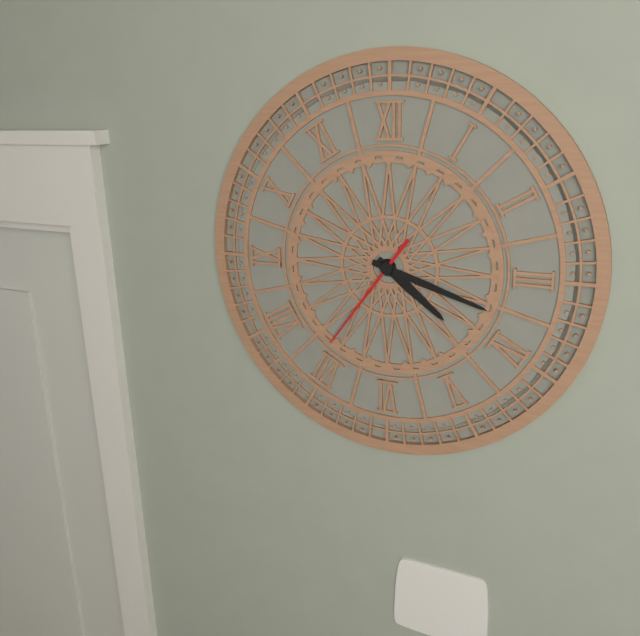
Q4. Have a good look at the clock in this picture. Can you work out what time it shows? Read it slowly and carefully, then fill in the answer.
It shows 4:18:36
